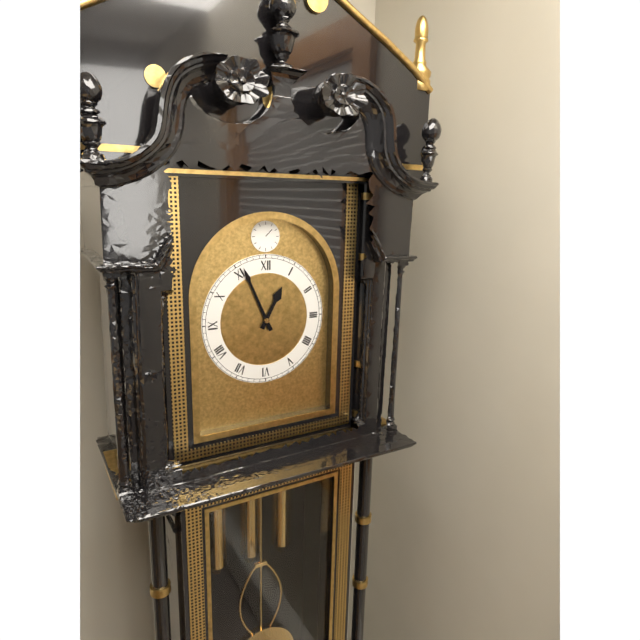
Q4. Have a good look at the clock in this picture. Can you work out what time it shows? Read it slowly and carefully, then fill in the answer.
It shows 12:56
